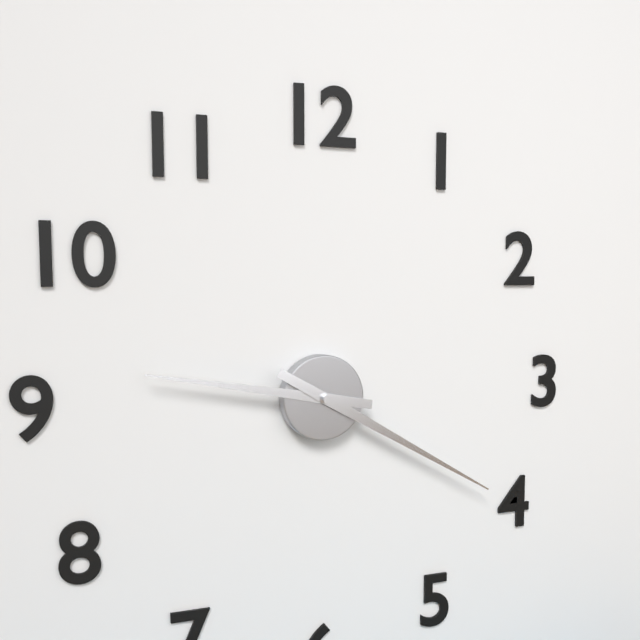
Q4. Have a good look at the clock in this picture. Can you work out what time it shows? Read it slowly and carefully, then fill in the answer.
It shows 9:20
